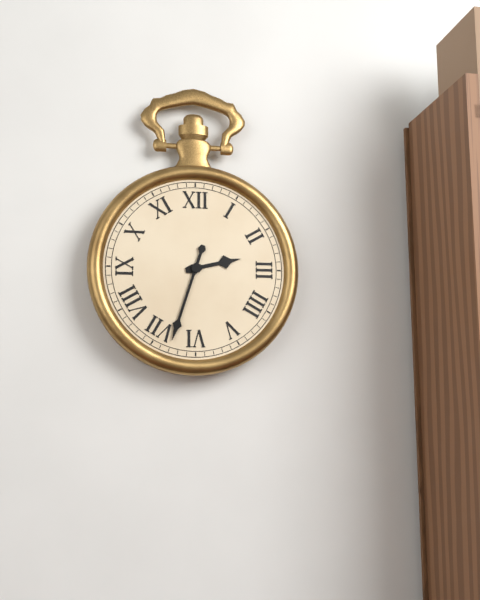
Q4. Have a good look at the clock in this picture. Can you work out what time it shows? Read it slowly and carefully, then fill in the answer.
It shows 2:33
